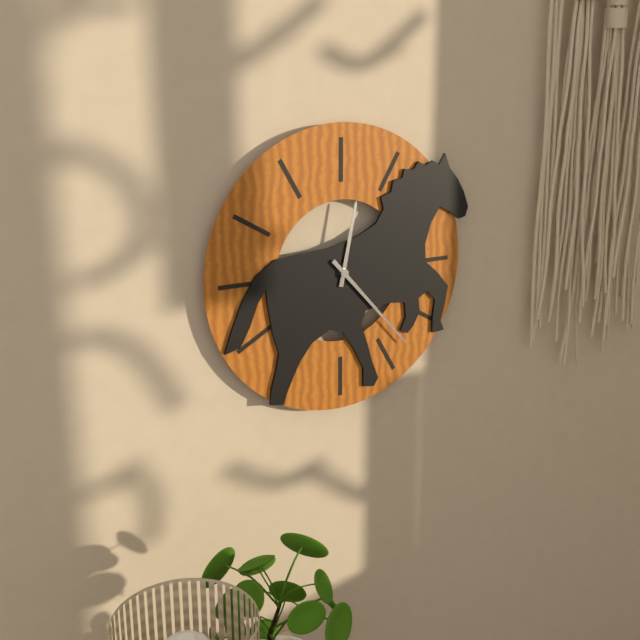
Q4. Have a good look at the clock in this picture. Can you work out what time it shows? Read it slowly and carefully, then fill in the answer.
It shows 12:23
